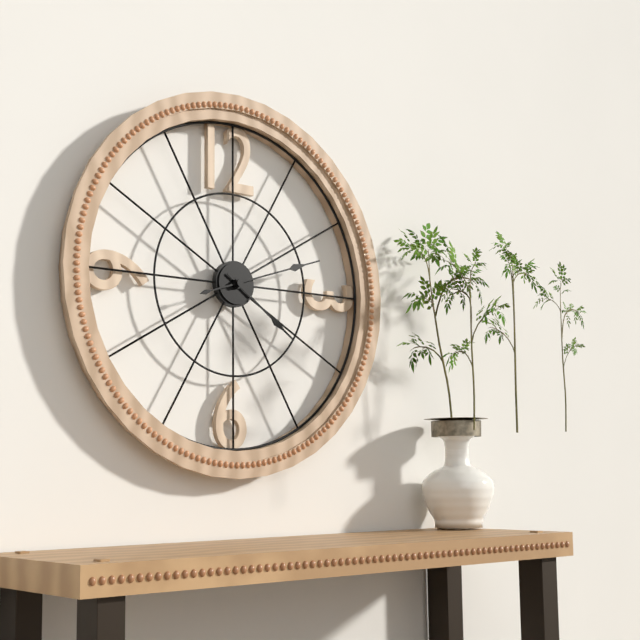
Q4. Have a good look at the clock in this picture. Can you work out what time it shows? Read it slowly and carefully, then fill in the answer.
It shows 4:12
